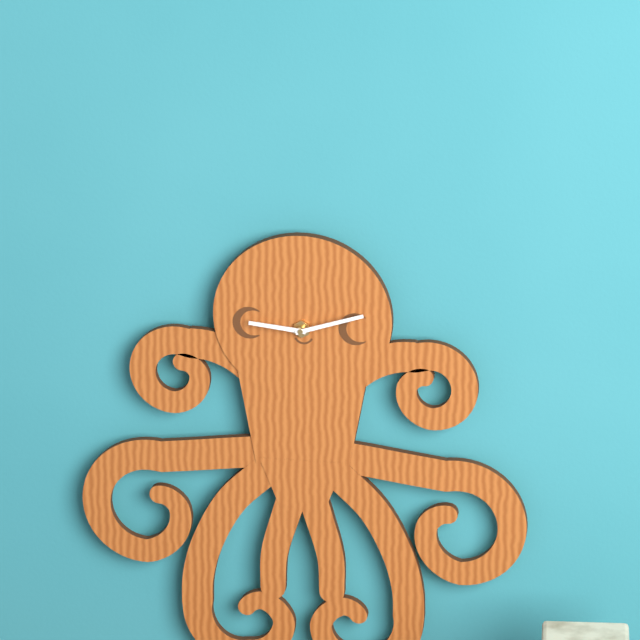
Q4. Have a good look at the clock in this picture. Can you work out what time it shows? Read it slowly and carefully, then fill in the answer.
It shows 9:12
